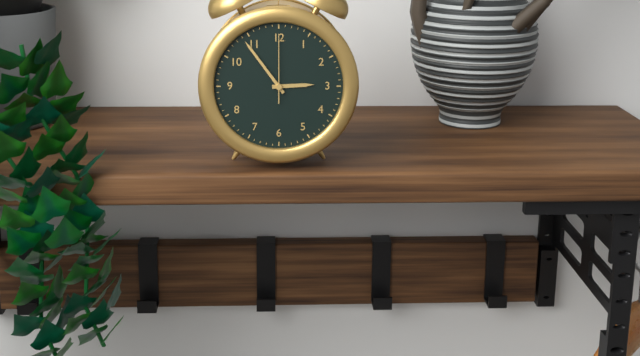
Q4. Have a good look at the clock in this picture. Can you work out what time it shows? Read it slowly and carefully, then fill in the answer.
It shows 2:54:00
